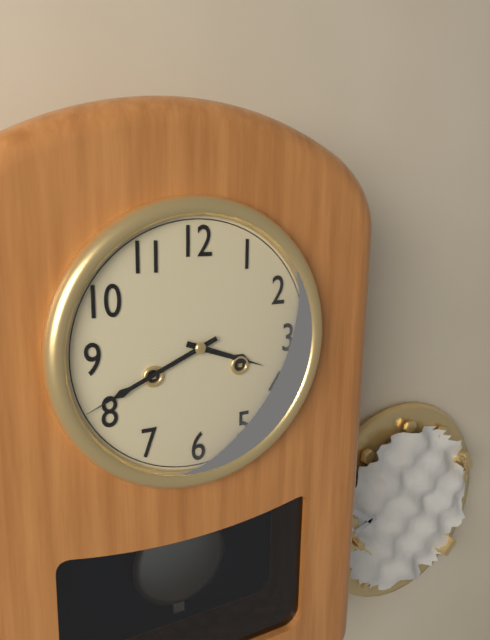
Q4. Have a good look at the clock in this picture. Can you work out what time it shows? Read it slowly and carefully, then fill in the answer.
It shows 3:41
